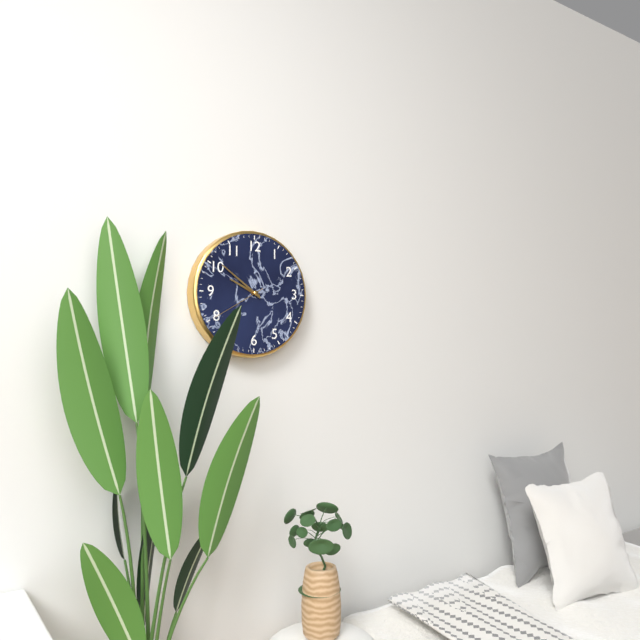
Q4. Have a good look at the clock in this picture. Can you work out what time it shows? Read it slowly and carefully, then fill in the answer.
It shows 9:51:40
